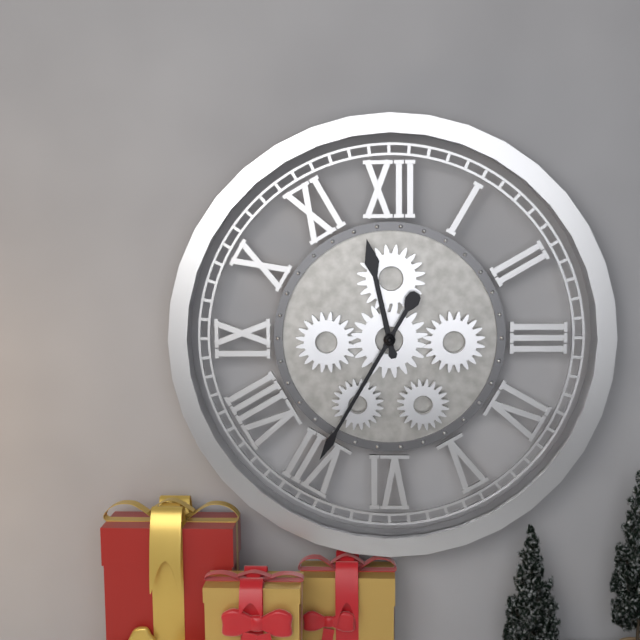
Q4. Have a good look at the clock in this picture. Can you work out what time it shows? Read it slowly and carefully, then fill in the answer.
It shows 11:35
